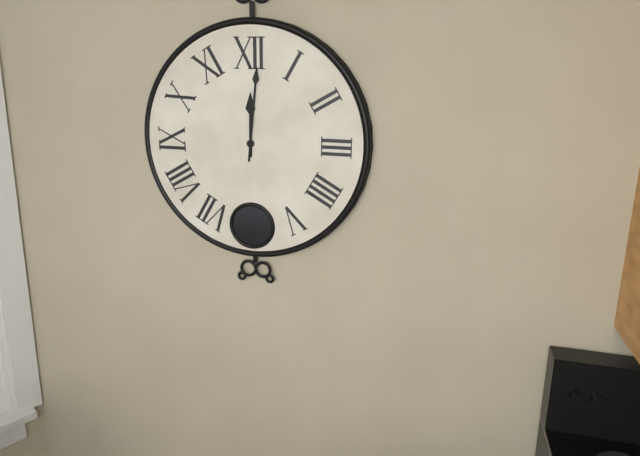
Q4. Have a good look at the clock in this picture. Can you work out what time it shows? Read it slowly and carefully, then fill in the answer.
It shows 12:01
